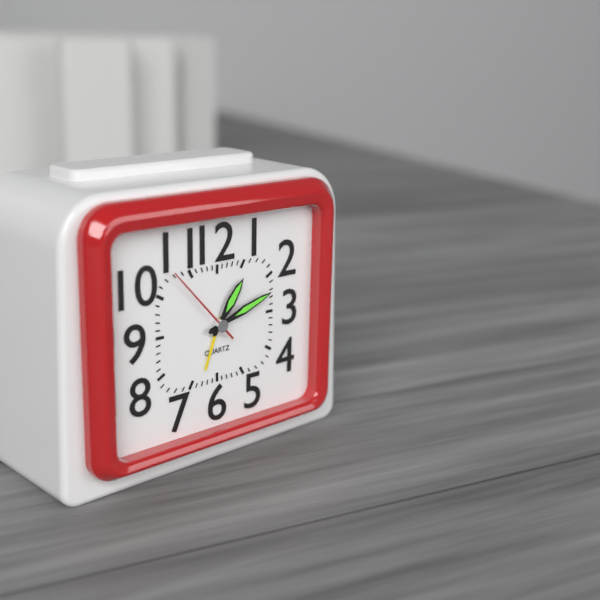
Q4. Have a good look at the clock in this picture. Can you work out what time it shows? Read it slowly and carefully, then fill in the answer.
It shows 1:12:53
